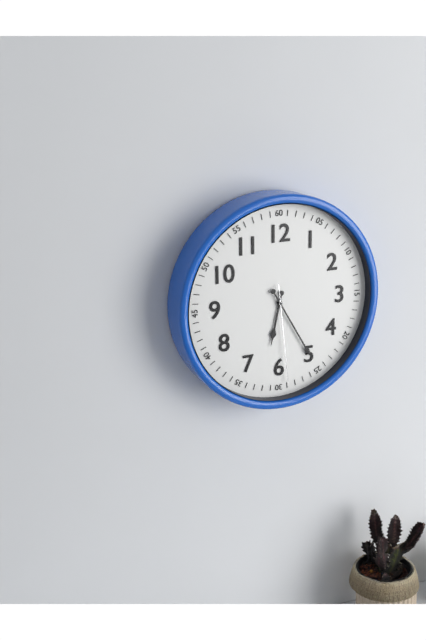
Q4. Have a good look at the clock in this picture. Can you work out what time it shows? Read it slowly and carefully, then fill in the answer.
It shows 6:25:29
